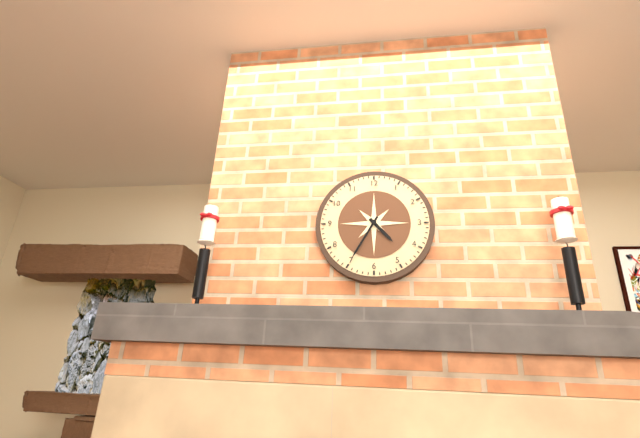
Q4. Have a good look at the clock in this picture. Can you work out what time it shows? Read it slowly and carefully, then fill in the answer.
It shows 4:35
